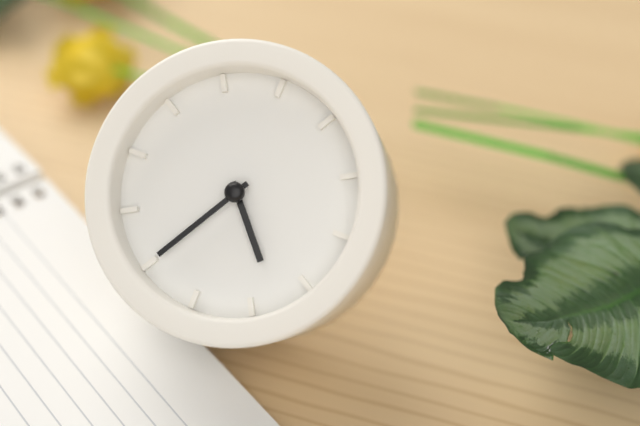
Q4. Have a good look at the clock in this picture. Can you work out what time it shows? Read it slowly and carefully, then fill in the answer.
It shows 4:35
